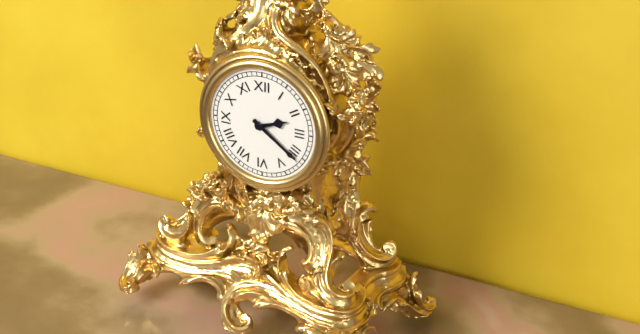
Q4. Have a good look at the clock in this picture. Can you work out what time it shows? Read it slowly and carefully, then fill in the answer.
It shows 2:21
